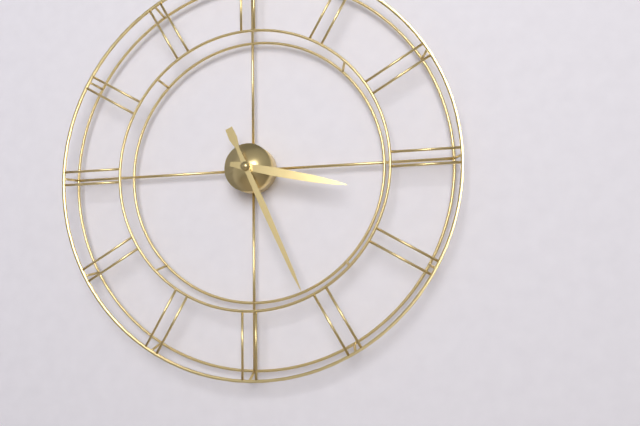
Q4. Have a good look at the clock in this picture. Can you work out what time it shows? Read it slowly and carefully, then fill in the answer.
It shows 3:26
